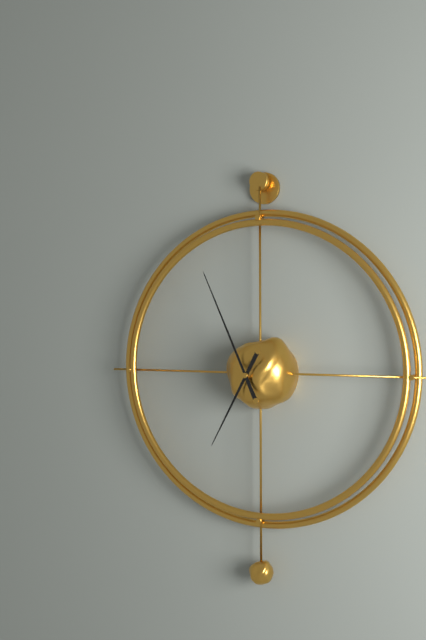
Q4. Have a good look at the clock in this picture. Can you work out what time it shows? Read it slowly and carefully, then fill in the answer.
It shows 6:56
